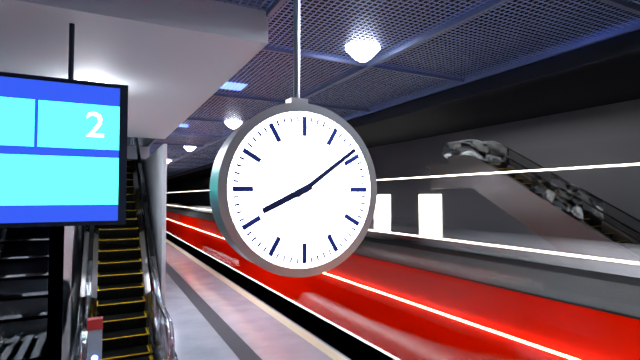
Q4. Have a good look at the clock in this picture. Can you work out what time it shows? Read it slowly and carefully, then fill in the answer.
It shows 8:09
